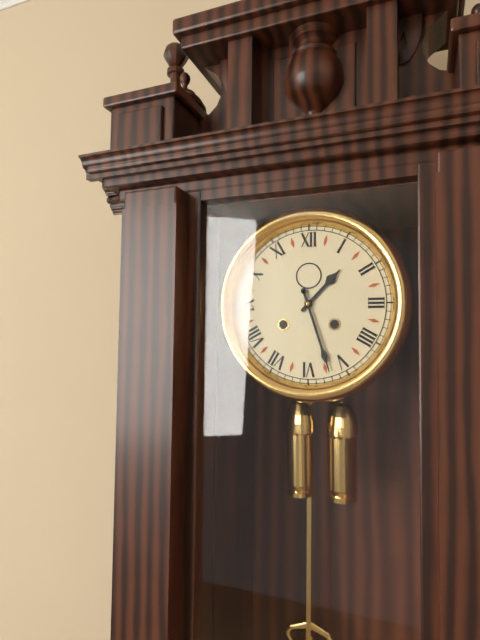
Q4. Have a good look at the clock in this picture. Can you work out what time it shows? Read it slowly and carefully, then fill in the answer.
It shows 1:27
